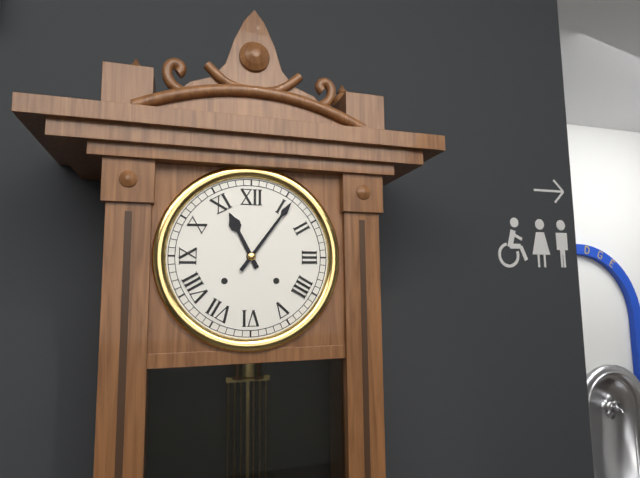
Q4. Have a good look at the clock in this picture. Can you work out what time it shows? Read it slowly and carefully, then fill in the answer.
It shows 11:06
